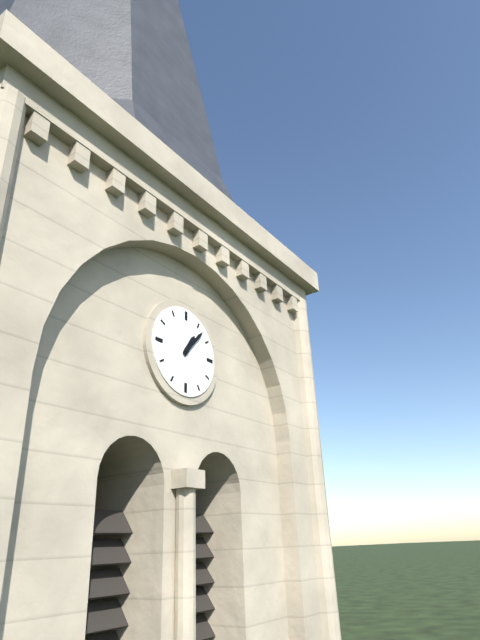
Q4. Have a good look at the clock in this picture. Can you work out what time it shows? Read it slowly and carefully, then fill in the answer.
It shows 1:07
